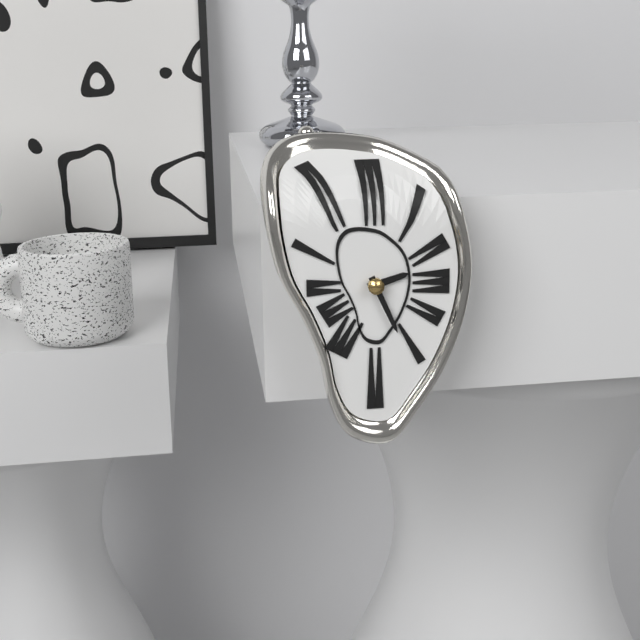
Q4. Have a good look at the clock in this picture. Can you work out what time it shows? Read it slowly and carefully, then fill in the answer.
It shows 2:26
